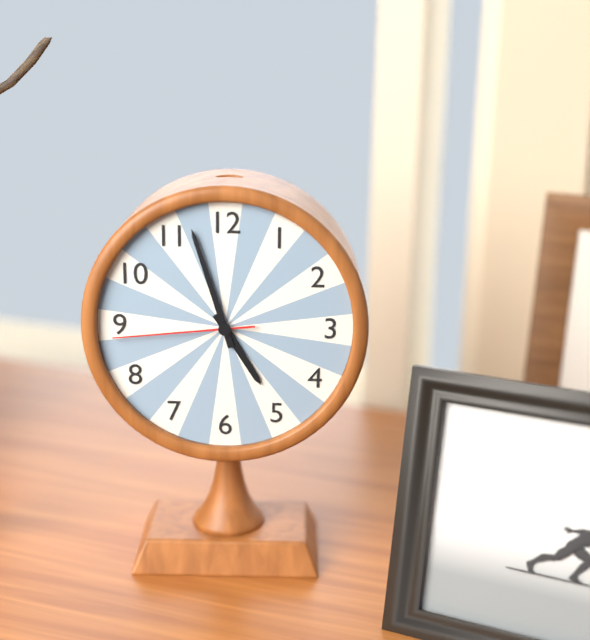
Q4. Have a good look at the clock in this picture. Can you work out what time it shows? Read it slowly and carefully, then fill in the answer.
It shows 4:57:44
